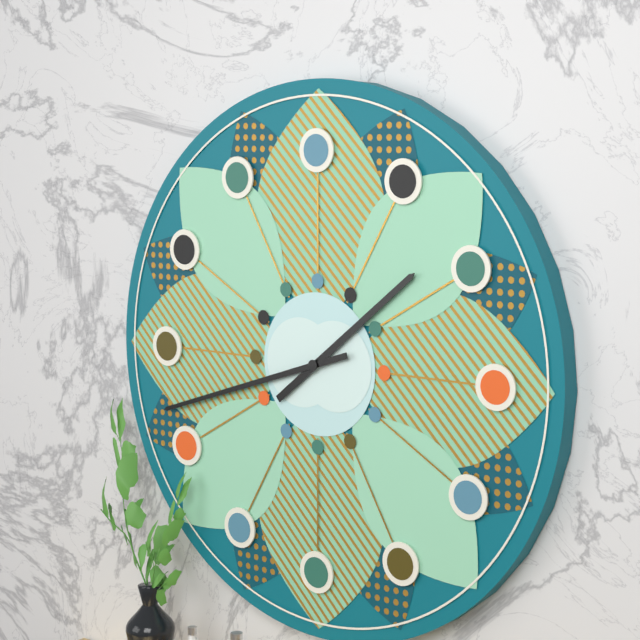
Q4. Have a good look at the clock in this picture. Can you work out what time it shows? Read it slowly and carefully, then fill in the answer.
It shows 1:42
